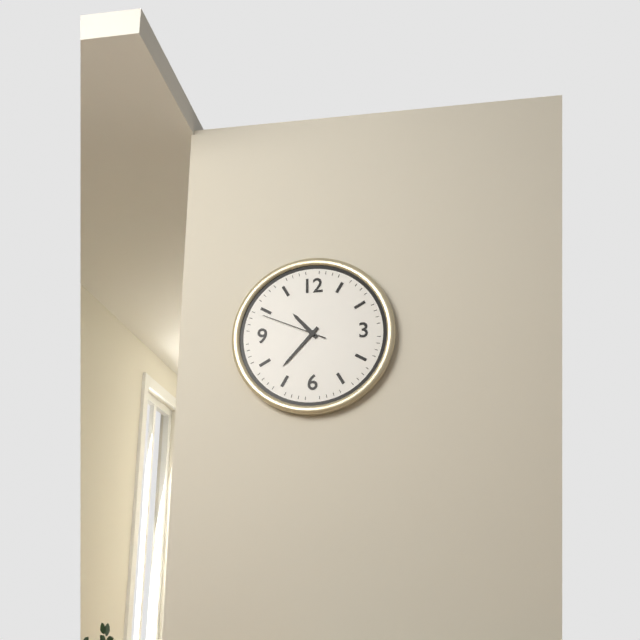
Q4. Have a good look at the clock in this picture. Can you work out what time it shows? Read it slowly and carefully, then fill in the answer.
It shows 10:37:49
